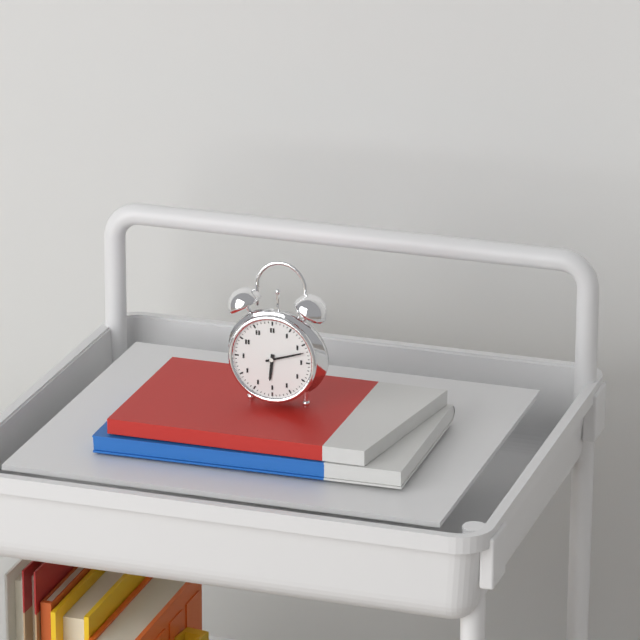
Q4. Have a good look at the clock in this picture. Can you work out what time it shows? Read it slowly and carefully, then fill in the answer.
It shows 6:12
